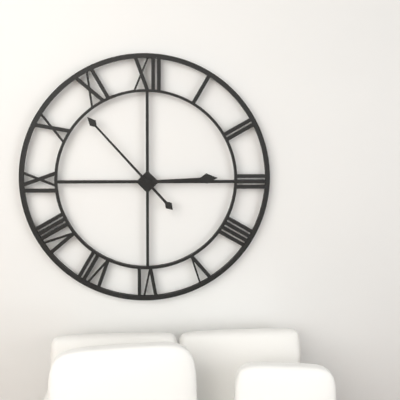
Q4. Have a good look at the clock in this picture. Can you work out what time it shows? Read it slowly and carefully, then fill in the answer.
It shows 2:53
